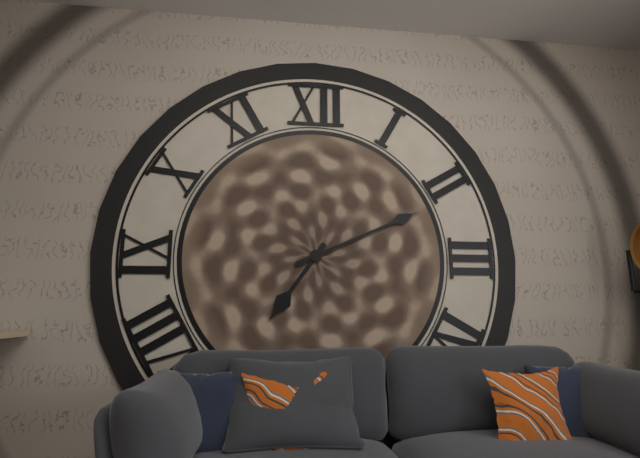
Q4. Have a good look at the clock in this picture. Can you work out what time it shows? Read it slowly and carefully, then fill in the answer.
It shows 7:11
